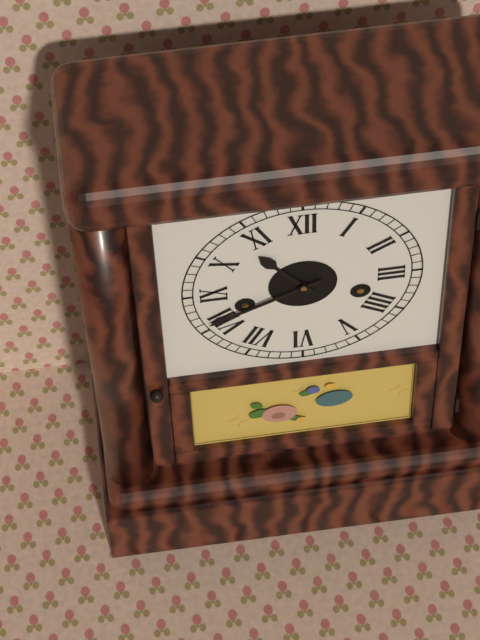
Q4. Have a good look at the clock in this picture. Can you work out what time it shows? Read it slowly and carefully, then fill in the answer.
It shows 10:41
